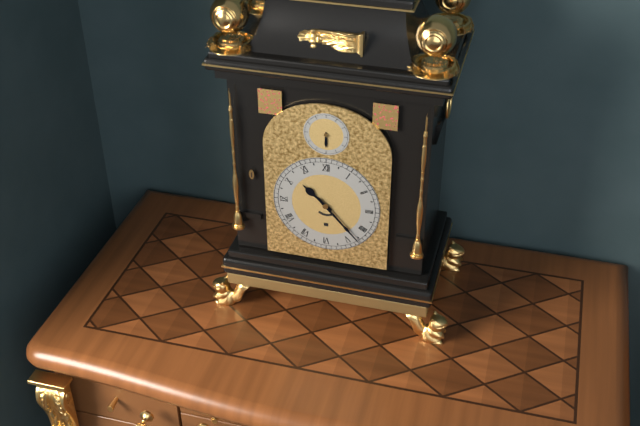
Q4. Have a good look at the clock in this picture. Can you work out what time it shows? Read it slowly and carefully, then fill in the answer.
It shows 10:23
